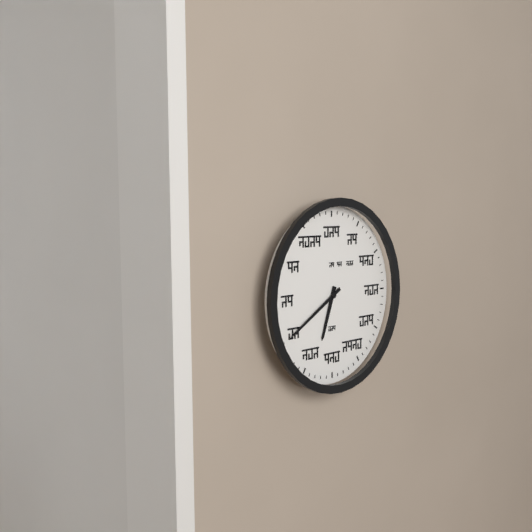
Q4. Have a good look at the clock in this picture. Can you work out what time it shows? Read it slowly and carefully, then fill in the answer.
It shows 6:40
